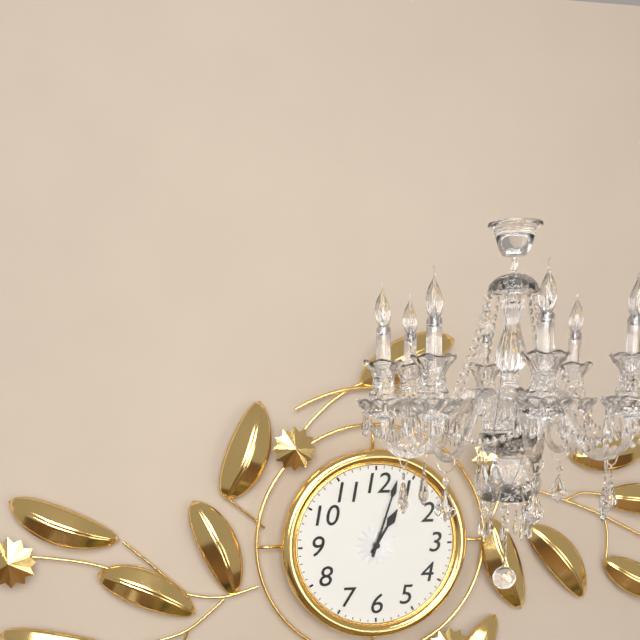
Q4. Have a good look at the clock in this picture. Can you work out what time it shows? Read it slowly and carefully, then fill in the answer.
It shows 1:03
